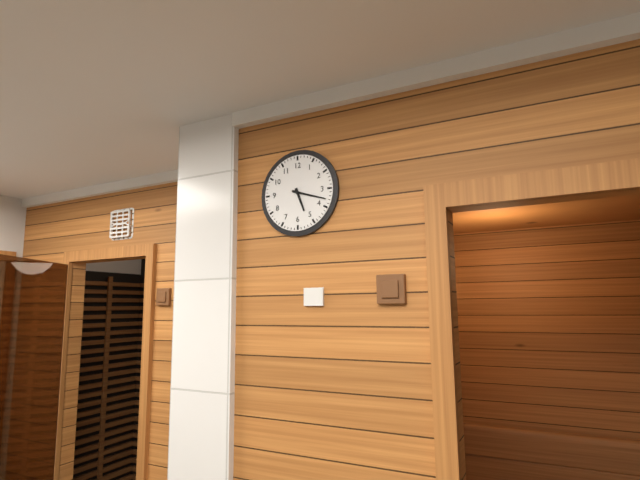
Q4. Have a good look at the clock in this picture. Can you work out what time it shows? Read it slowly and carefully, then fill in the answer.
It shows 5:18
